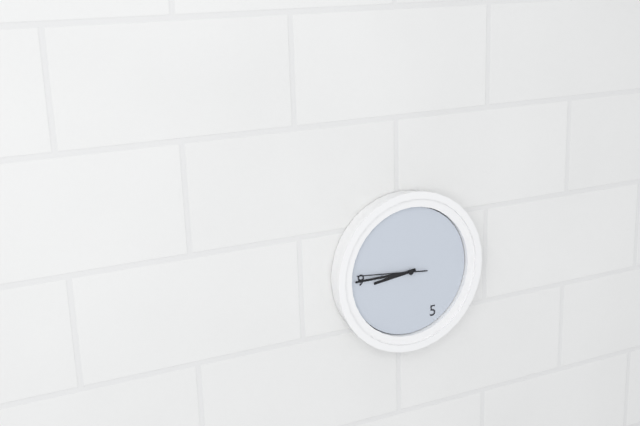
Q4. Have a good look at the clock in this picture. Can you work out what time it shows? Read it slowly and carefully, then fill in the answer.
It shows 8:45:46
